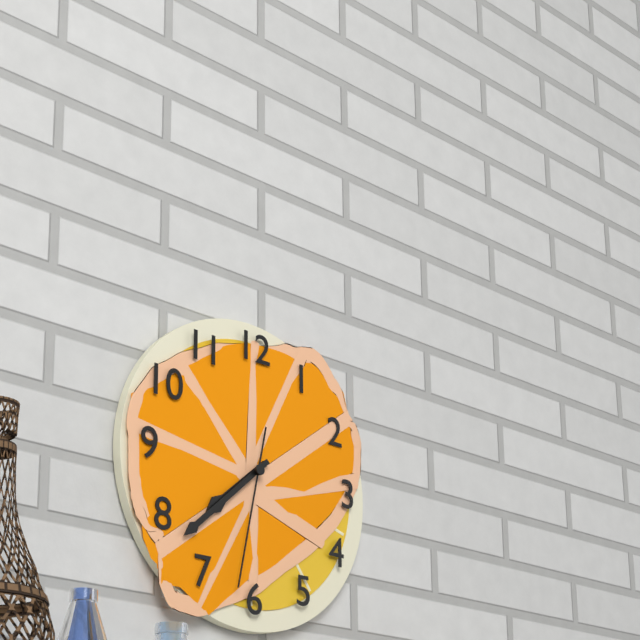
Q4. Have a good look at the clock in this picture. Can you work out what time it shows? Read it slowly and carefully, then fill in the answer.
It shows 7:38:32
